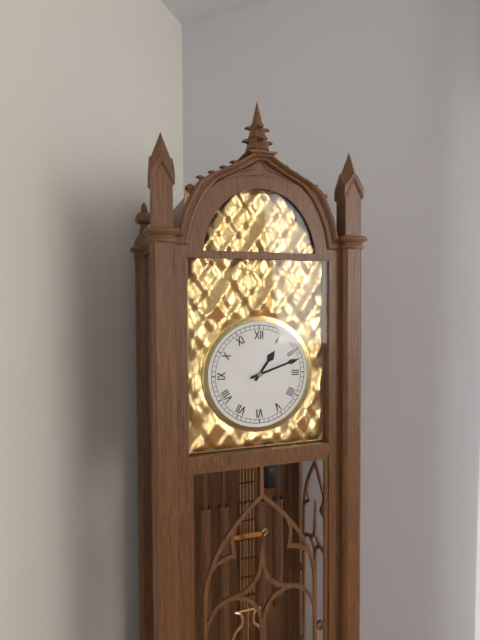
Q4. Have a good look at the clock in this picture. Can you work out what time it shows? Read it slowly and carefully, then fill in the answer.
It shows 1:12
